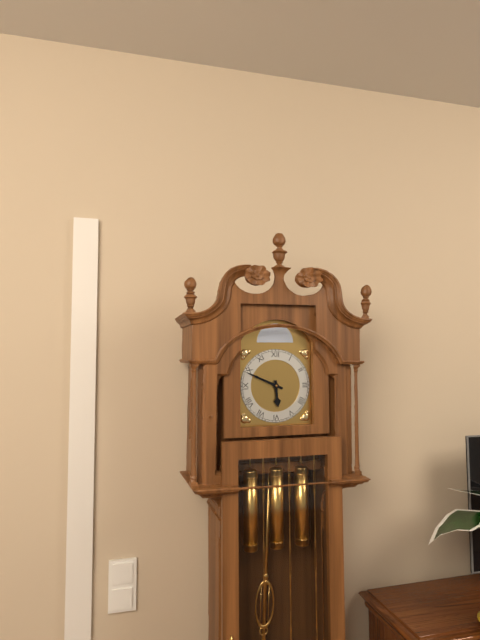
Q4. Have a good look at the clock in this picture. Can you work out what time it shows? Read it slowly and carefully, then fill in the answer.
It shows 5:49
